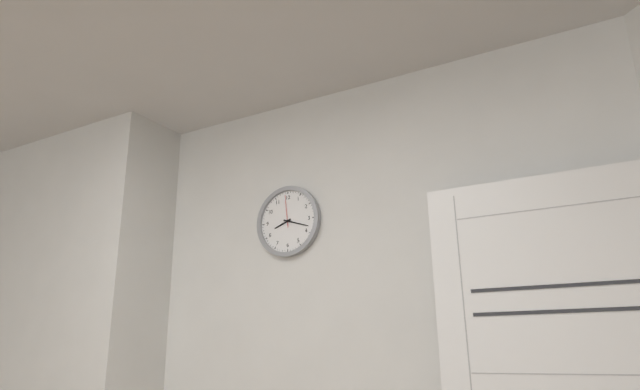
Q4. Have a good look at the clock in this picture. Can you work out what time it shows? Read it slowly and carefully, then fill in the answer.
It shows 8:18
